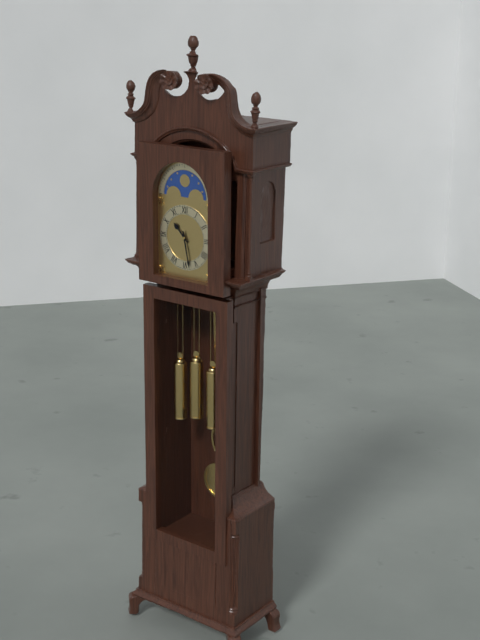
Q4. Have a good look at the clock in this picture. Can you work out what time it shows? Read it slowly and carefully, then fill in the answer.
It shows 10:28
